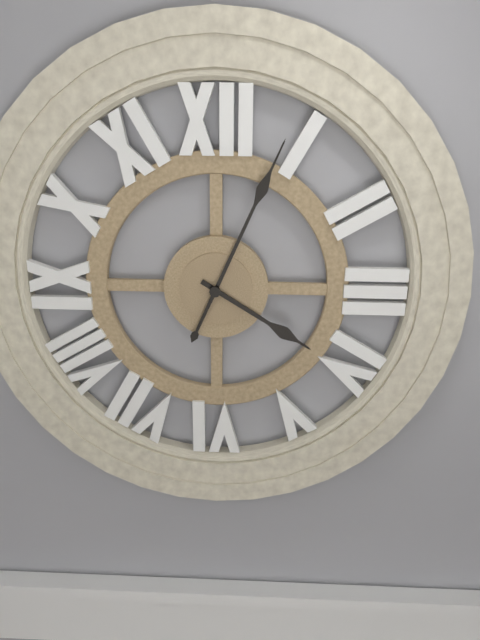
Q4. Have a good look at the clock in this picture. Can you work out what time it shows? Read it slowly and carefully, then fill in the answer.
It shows 4:04
